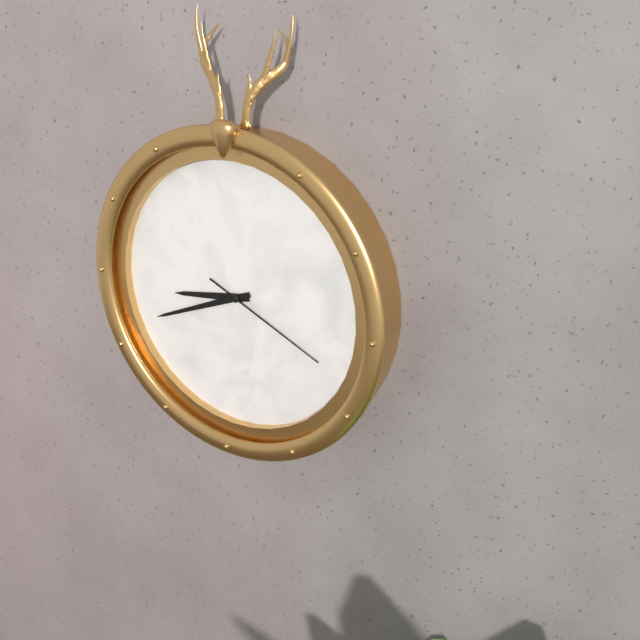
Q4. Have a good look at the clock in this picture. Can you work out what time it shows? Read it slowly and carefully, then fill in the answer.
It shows 8:41:19
